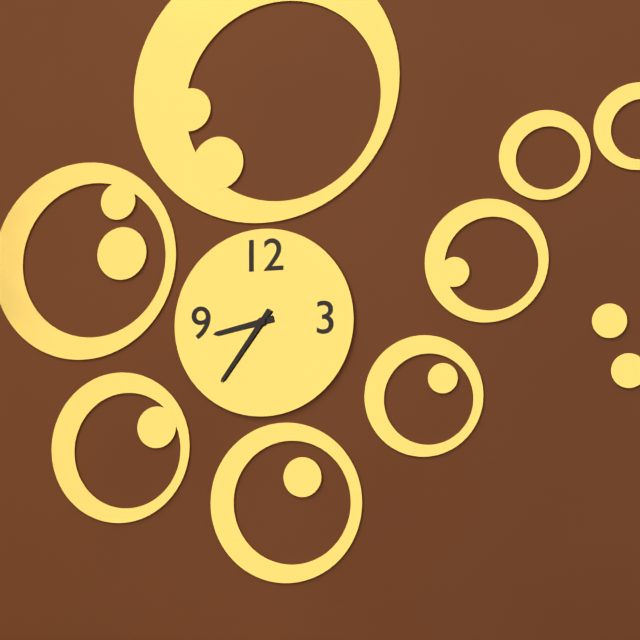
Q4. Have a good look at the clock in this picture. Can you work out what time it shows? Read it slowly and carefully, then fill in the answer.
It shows 8:36
